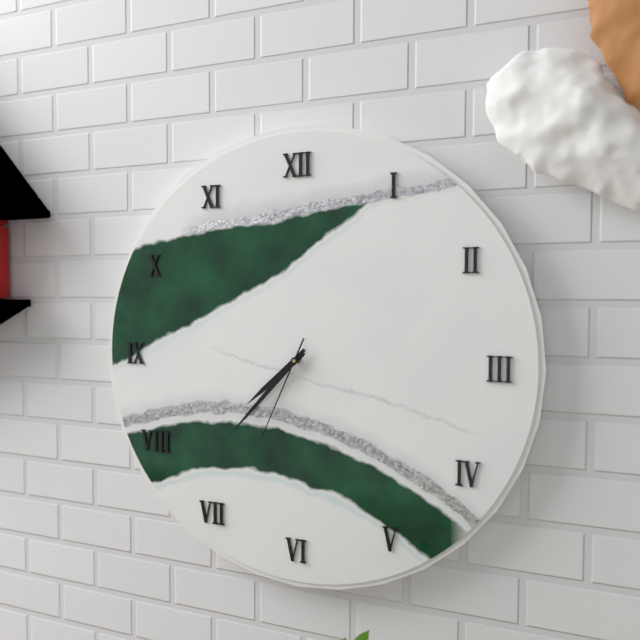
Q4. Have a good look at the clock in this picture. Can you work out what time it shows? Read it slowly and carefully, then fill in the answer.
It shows 7:37:34
